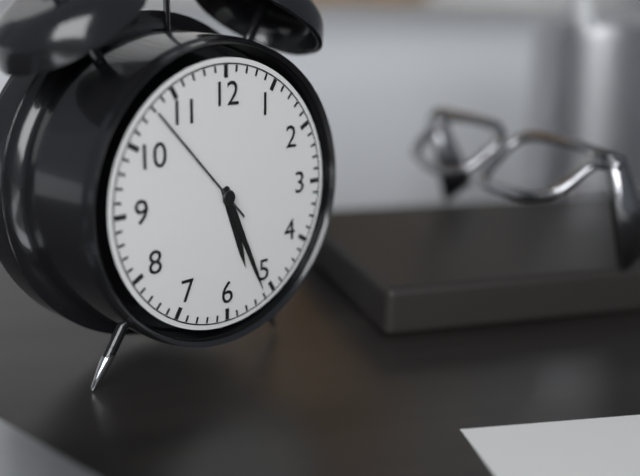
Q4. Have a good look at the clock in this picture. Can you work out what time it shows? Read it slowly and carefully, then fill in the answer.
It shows 5:26:53
